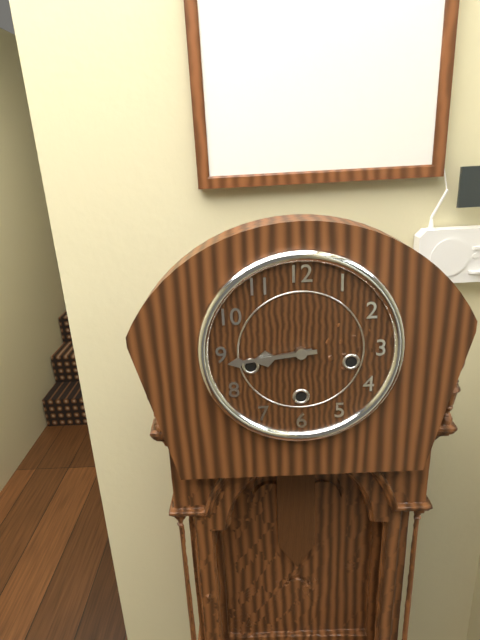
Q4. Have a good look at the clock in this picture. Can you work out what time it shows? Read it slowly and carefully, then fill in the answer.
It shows 8:44
